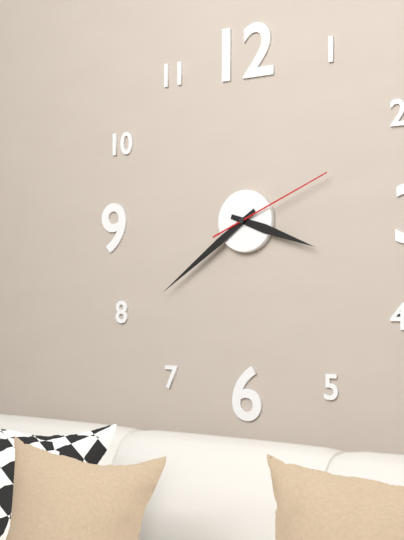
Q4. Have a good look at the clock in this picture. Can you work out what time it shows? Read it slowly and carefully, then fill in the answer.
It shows 3:39:11
